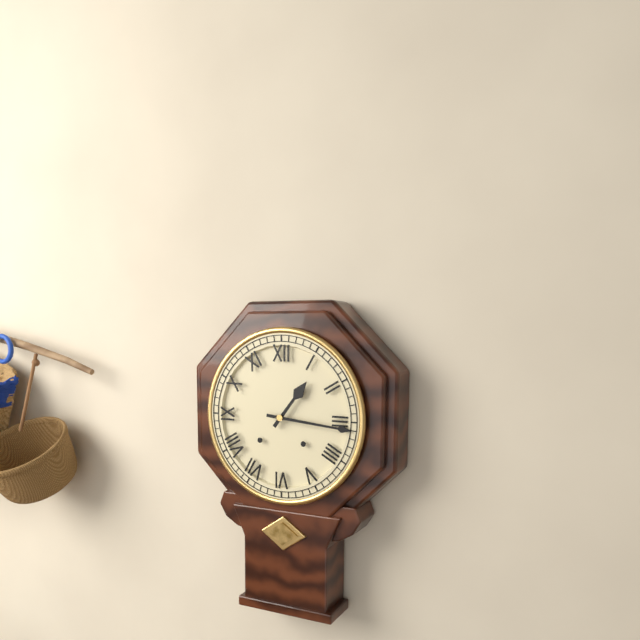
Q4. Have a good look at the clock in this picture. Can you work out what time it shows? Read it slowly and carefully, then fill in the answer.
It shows 1:16
